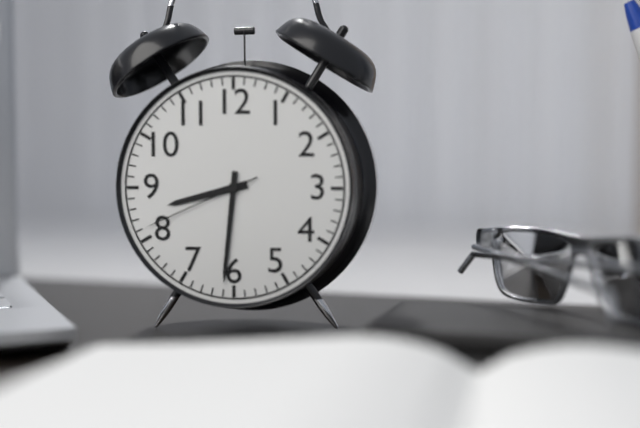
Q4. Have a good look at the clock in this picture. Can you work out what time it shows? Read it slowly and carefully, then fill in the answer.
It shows 8:31:41
